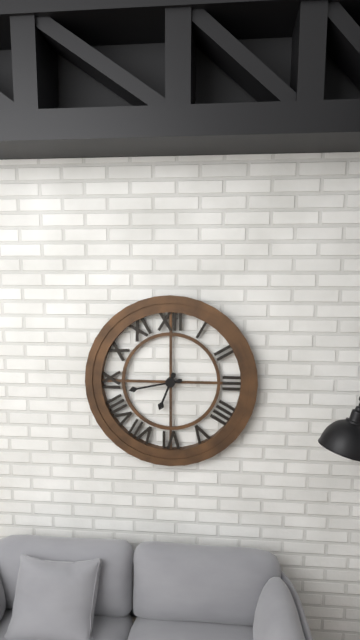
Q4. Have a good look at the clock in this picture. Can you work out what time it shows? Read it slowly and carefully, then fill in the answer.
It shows 6:43
